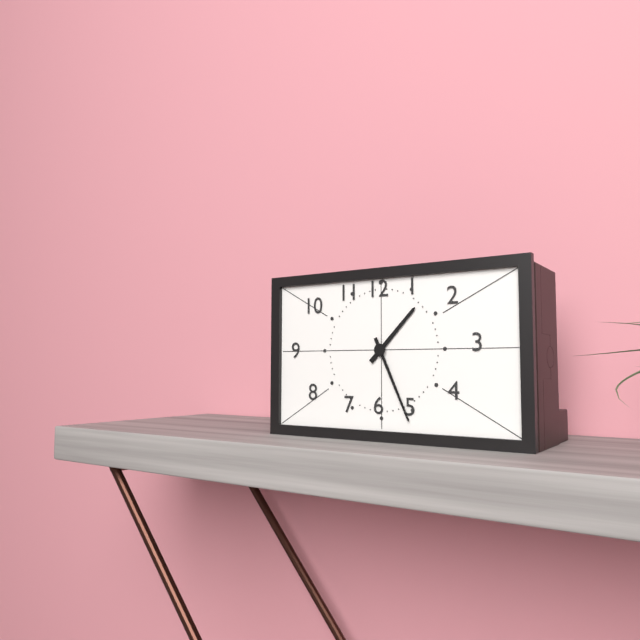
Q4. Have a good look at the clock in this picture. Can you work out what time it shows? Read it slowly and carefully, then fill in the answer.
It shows 1:26
